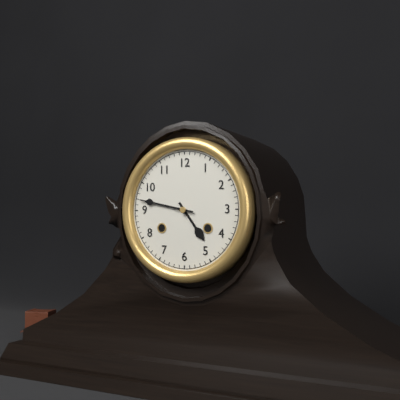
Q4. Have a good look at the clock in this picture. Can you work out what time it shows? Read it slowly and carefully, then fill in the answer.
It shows 4:47
